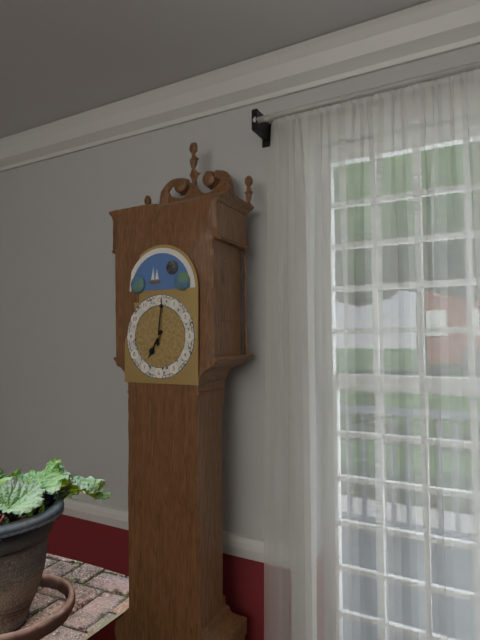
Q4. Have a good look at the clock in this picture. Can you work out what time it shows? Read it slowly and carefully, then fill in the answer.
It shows 7:01
